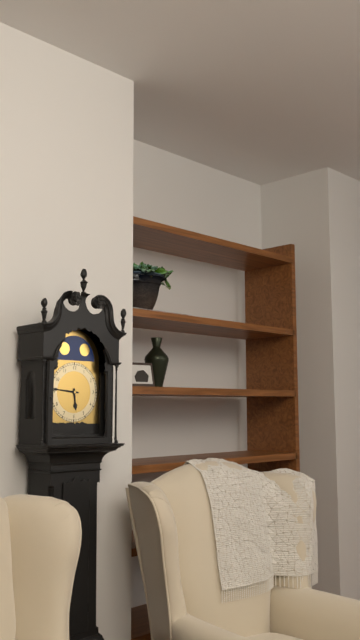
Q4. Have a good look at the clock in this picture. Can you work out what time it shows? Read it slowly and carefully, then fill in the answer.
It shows 5:46
